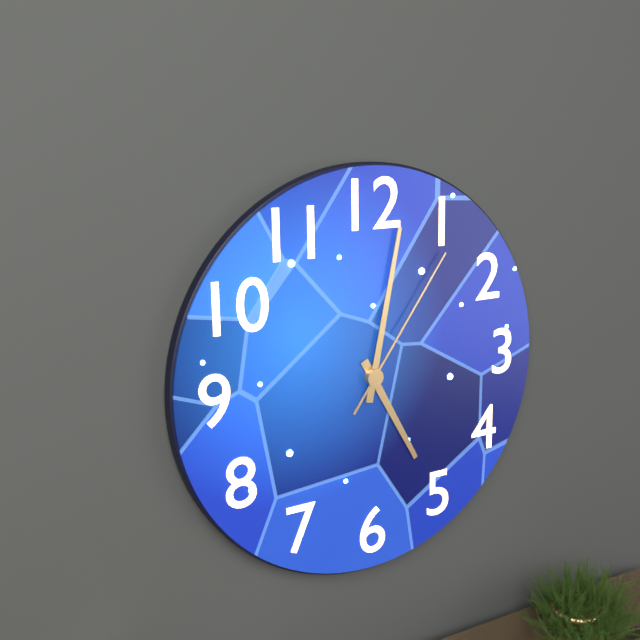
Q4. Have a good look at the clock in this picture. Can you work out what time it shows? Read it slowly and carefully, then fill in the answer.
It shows 5:02:06
